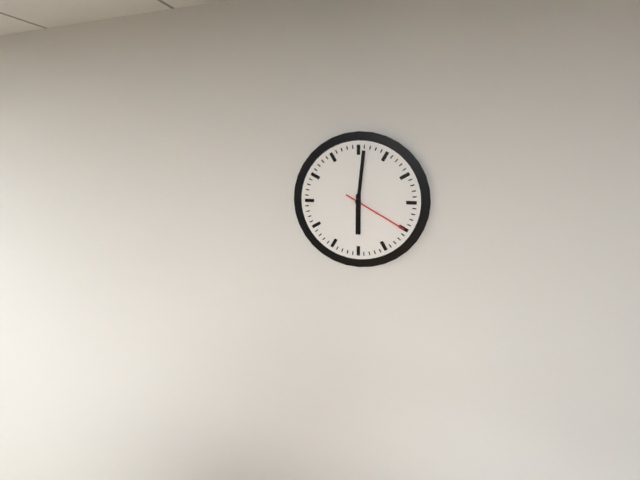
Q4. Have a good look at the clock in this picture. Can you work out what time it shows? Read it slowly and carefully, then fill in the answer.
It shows 6:01:20
